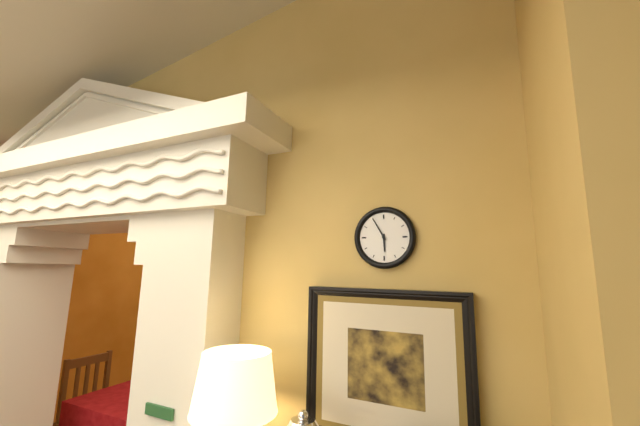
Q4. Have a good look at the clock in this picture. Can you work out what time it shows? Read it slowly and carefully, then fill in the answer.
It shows 5:55
